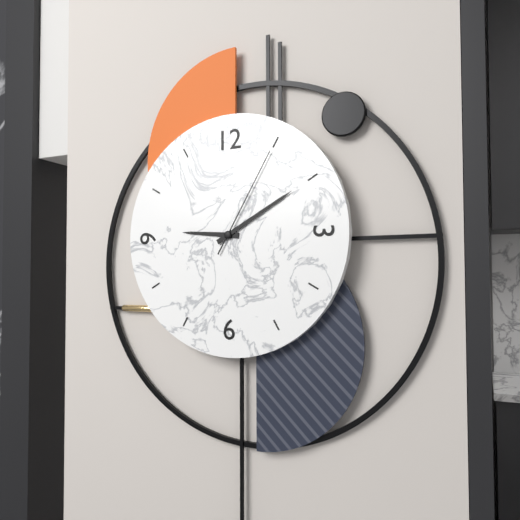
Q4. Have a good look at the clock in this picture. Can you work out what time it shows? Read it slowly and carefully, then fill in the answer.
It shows 9:10:05
